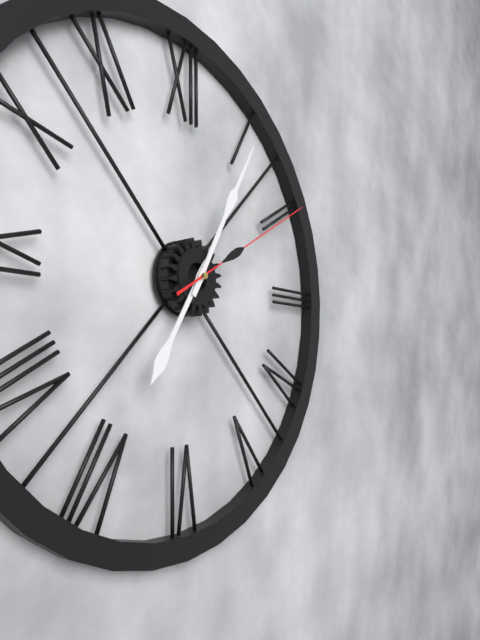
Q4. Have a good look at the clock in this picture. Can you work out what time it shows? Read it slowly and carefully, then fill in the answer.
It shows 7:05:10
